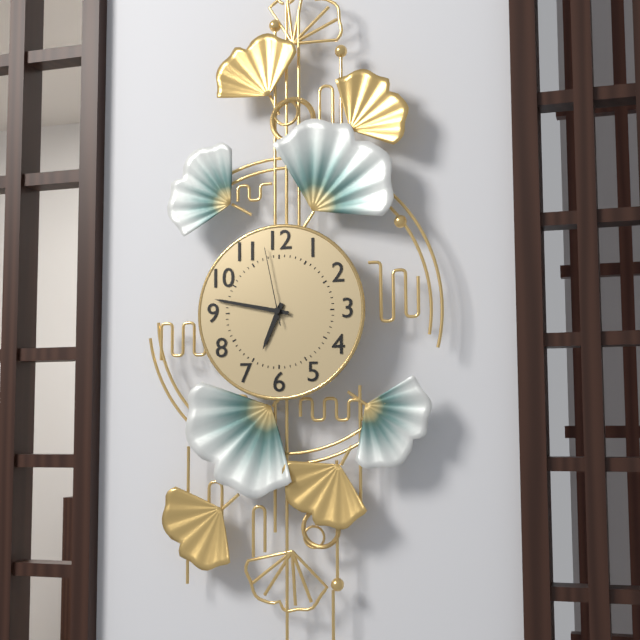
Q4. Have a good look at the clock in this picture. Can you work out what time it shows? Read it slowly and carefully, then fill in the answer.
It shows 6:47:58
